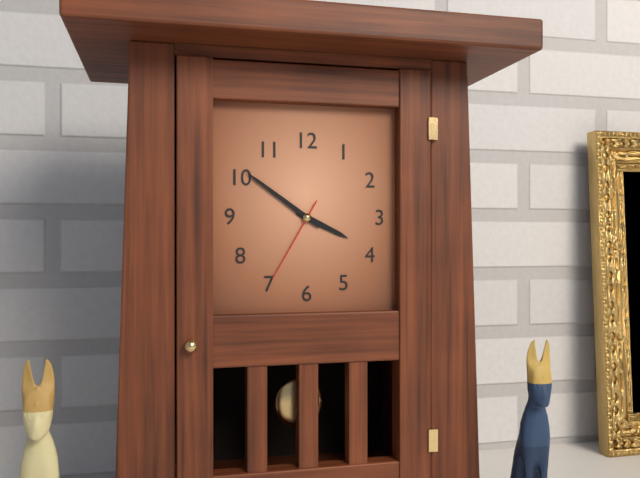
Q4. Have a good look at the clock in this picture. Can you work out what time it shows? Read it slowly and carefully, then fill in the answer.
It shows 3:51:35
